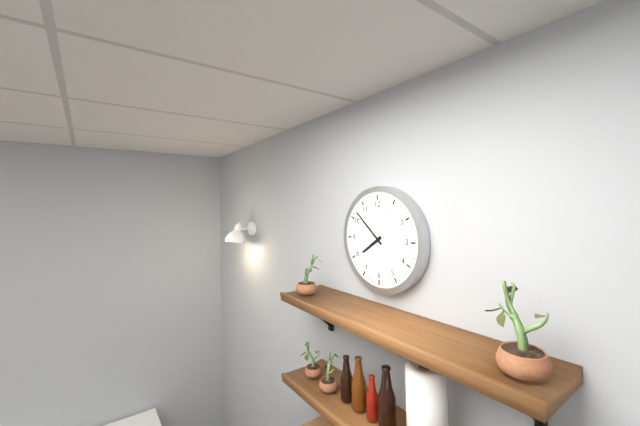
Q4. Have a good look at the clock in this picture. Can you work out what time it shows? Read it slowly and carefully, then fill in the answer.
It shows 7:52
